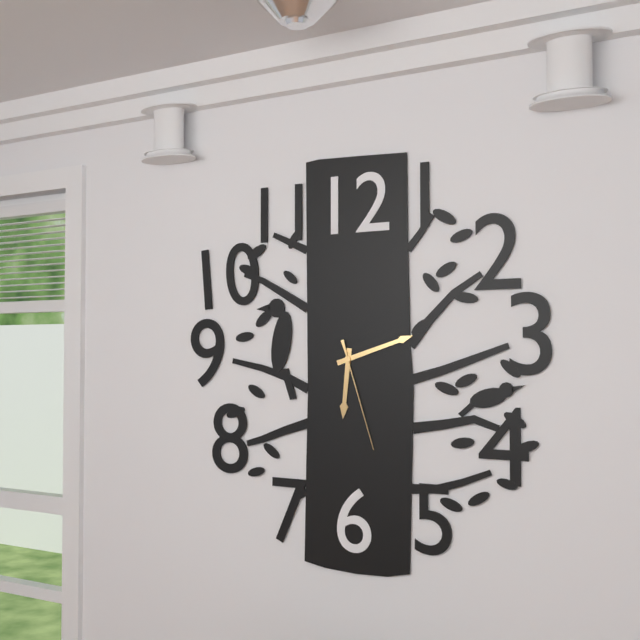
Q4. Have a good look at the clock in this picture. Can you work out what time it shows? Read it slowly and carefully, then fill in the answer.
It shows 6:12:27
